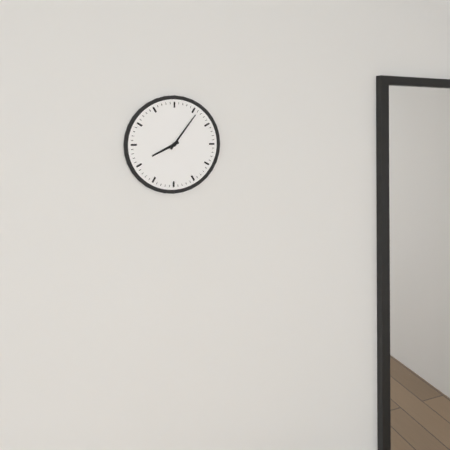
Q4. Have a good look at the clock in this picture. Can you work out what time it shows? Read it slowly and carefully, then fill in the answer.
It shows 8:06
